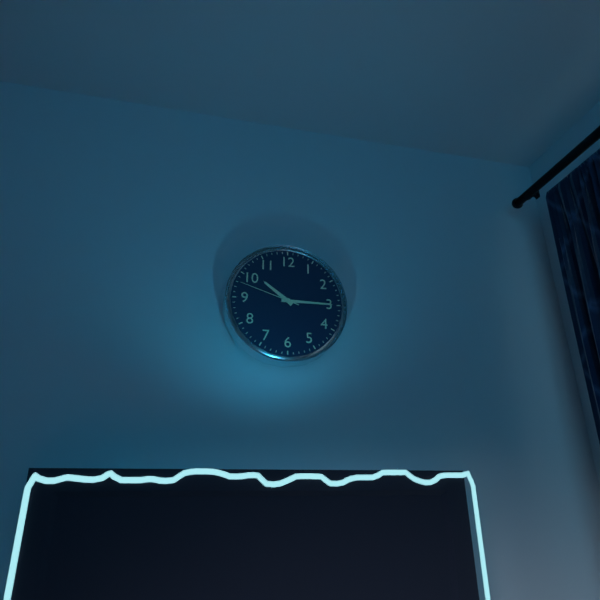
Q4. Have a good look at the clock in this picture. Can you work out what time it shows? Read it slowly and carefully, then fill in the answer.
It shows 10:15:48
